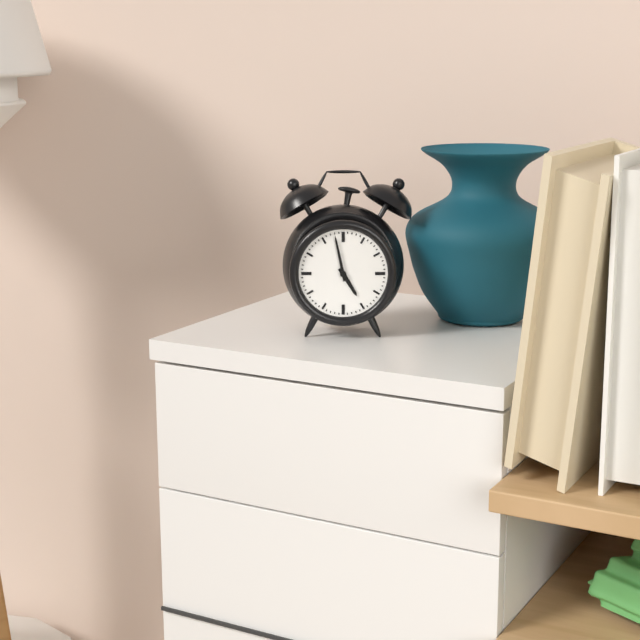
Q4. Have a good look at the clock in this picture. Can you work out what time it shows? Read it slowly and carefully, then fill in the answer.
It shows 4:58
